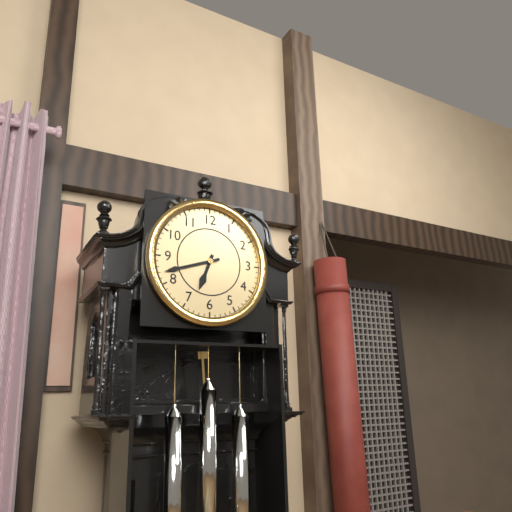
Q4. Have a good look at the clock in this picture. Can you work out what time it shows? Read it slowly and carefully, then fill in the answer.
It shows 6:42
